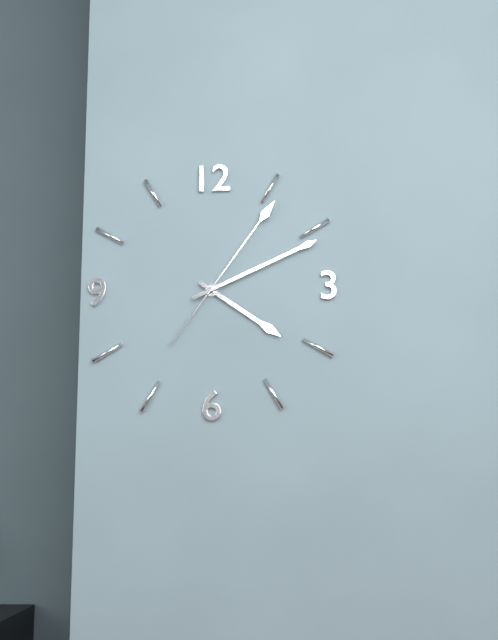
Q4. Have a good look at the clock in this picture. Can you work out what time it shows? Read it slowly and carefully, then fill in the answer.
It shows 4:11:06
